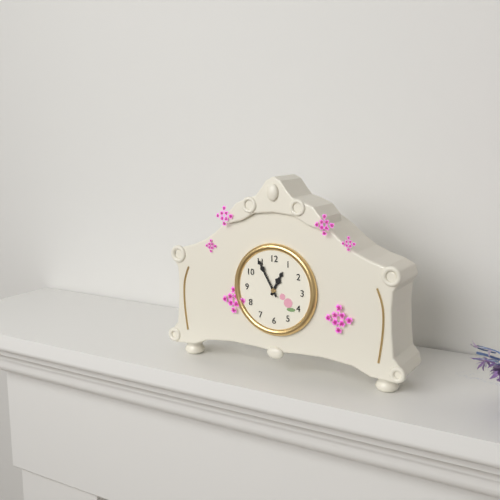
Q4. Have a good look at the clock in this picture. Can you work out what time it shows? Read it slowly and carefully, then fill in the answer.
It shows 12:55
